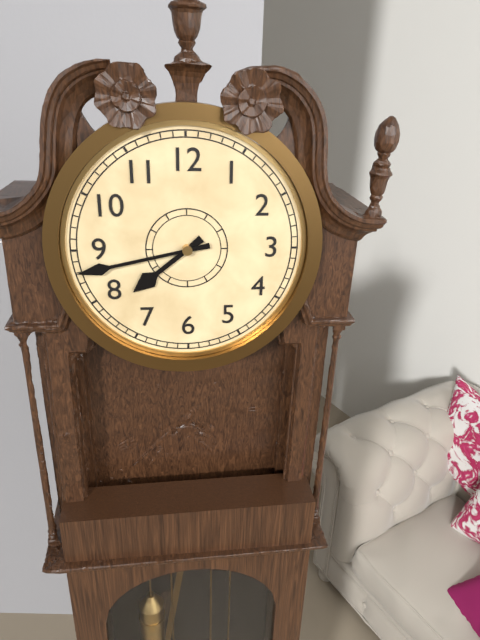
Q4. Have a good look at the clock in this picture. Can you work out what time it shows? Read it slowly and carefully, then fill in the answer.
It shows 7:43
